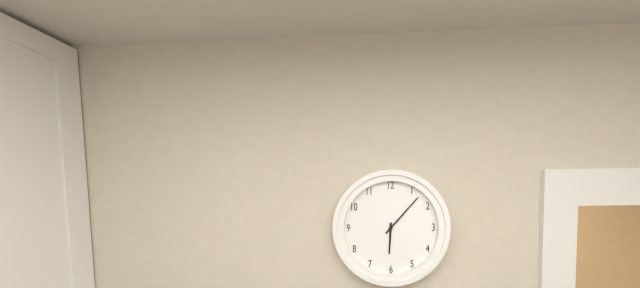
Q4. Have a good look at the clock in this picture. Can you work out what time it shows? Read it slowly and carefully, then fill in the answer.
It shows 6:07
